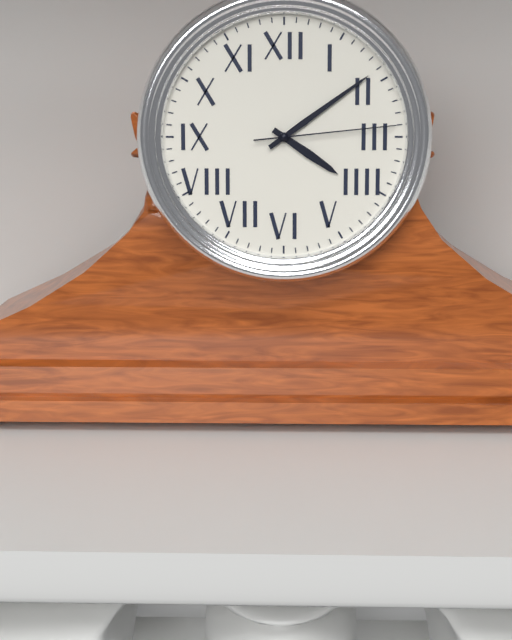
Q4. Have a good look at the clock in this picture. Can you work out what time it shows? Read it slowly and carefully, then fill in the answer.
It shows 4:09:14
